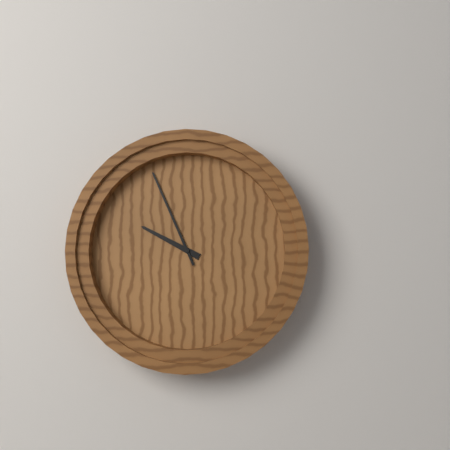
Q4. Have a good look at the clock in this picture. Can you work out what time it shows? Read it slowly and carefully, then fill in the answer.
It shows 9:56
